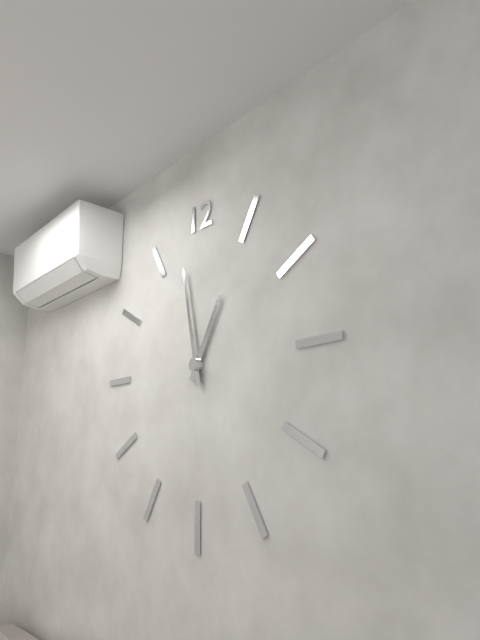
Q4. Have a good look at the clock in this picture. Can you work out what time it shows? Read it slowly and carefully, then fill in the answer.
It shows 12:58
